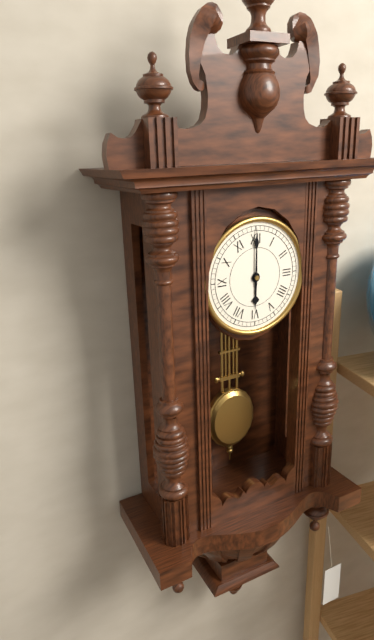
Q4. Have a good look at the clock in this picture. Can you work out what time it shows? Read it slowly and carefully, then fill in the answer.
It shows 6:00
